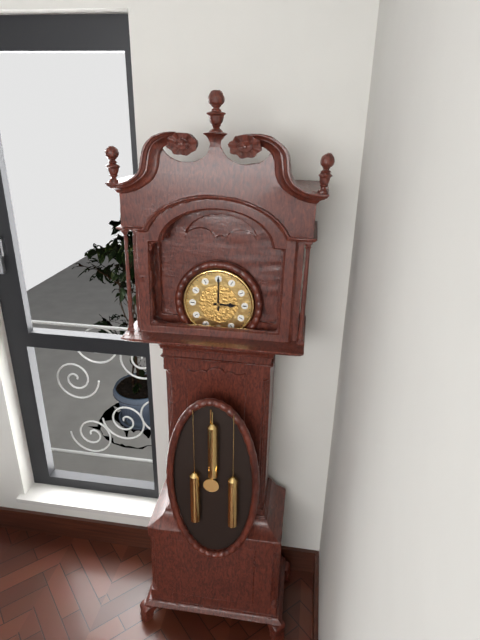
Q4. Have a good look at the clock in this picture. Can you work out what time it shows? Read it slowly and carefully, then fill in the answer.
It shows 3:00
